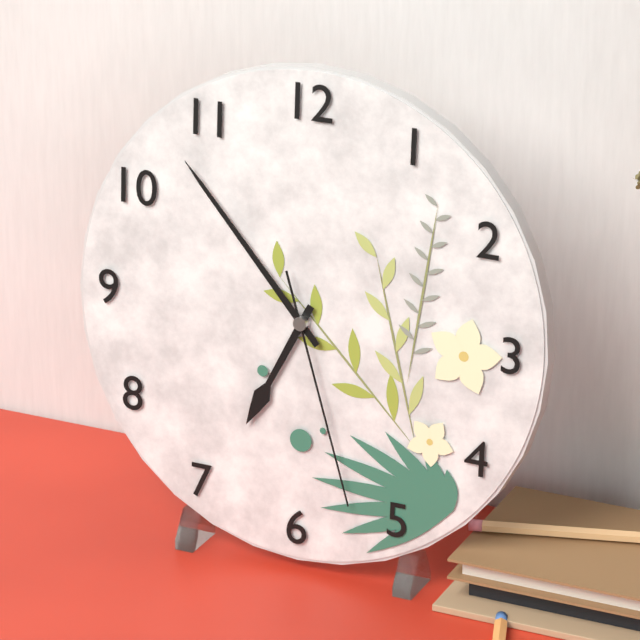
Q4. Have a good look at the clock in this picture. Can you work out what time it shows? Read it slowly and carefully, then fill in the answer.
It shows 6:53:27
